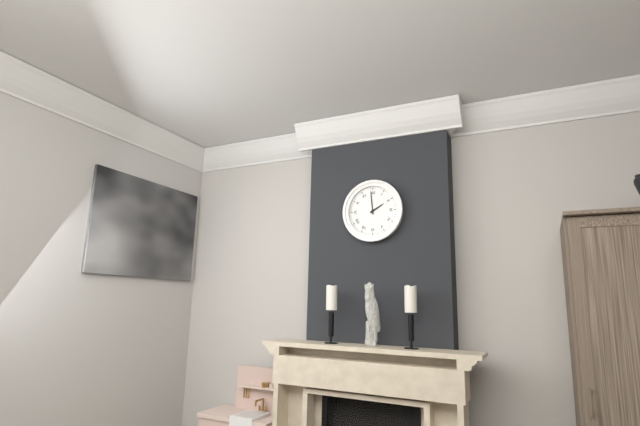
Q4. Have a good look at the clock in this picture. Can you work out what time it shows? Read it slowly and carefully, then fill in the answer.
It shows 1:59
